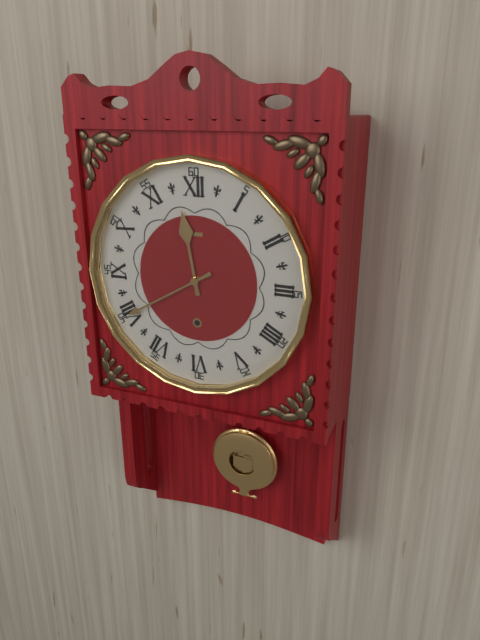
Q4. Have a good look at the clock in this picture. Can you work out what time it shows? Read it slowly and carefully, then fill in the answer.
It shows 11:40
